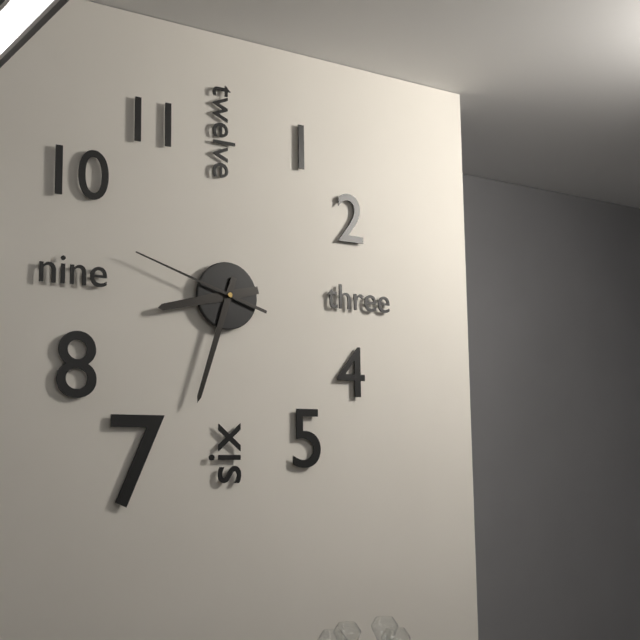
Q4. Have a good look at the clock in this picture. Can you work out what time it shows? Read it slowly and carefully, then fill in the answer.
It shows 8:33:48
